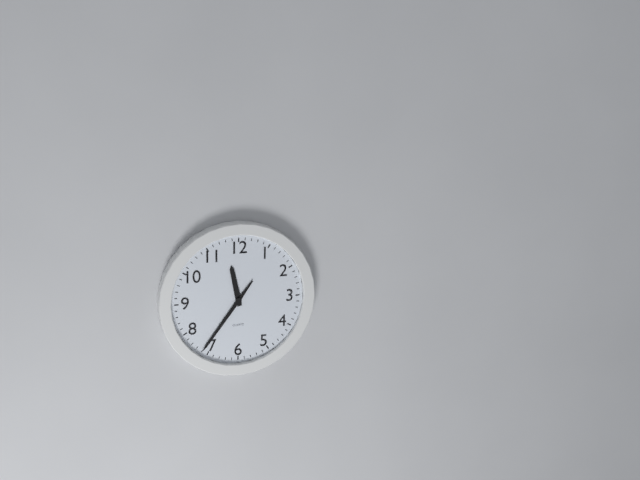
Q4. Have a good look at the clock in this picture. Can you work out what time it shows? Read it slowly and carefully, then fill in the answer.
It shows 11:36
